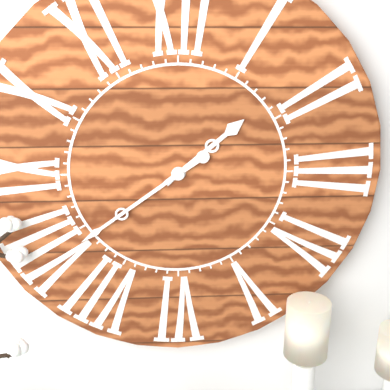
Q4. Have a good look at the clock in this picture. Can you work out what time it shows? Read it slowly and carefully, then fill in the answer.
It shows 1:39
